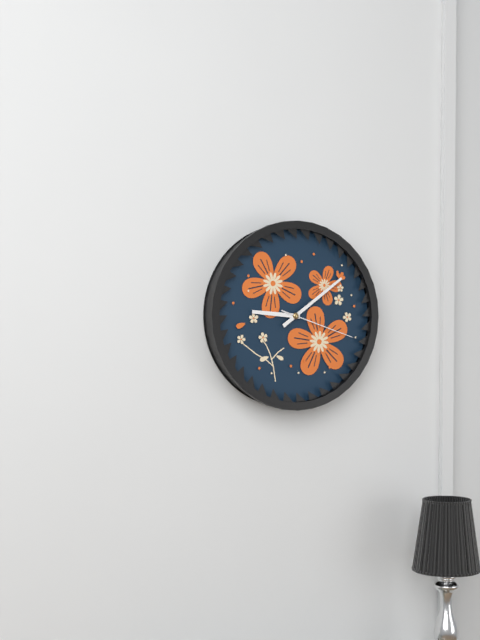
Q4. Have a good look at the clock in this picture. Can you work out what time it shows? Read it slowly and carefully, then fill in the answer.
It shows 9:09:18
